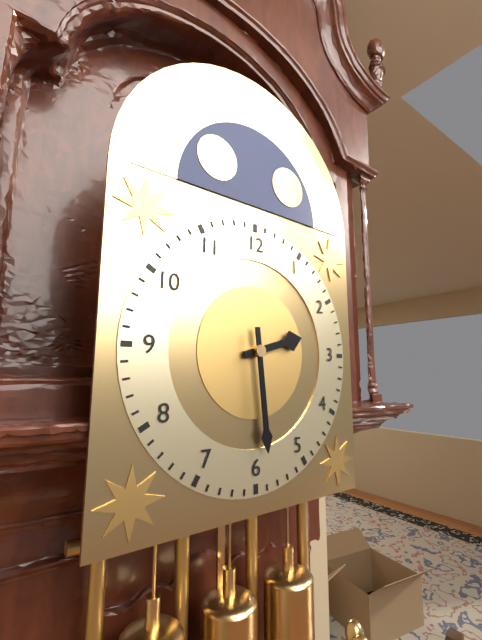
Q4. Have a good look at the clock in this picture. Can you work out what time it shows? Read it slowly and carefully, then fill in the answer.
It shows 2:29
